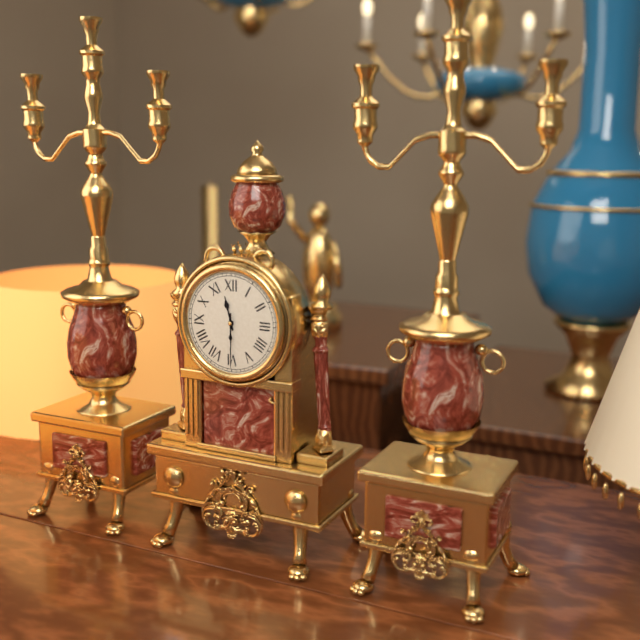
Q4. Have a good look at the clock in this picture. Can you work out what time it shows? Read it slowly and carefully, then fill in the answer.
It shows 11:30
